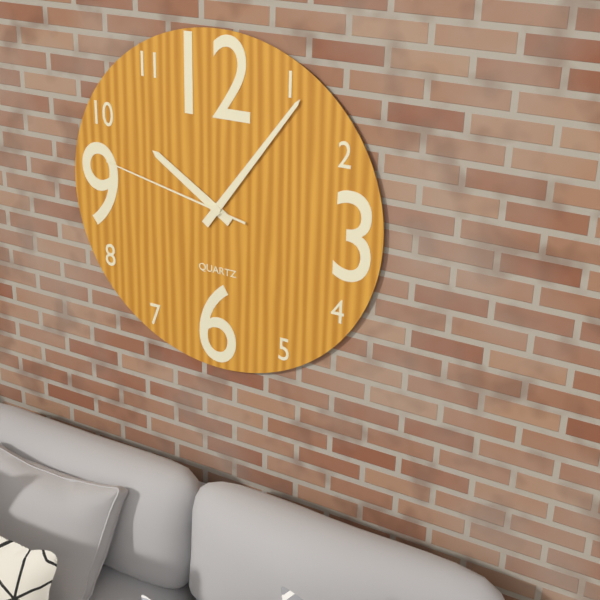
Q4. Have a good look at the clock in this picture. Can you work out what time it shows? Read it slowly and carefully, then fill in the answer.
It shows 10:06:47
